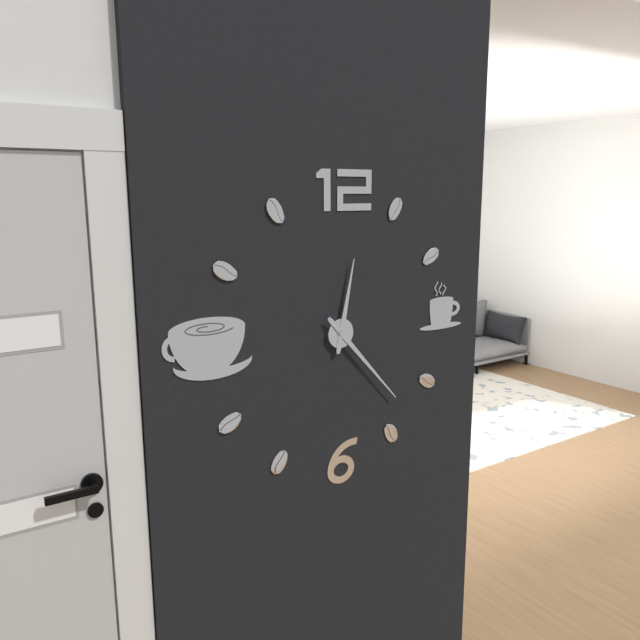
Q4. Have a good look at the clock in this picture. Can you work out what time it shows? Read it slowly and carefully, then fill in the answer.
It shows 12:23
